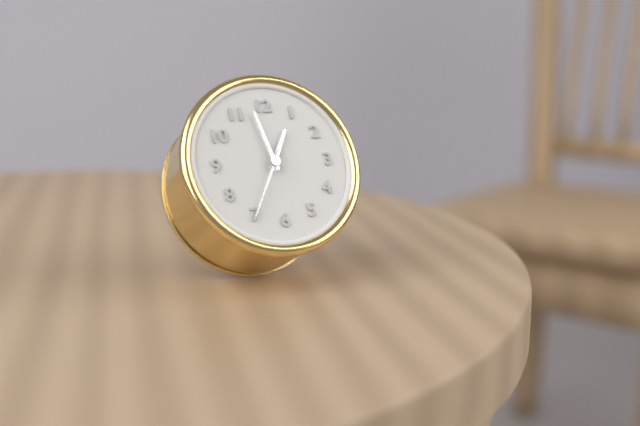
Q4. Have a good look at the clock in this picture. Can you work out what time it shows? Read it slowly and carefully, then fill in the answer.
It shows 12:58:35
